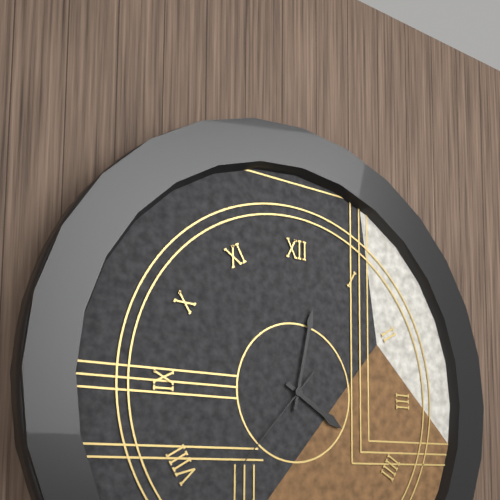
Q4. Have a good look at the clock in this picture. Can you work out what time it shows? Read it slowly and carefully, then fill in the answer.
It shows 4:02:37
